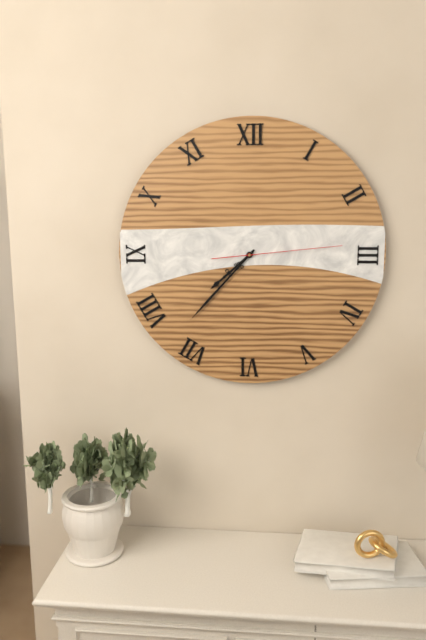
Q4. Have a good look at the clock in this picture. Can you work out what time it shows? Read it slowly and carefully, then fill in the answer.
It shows 7:37:14
